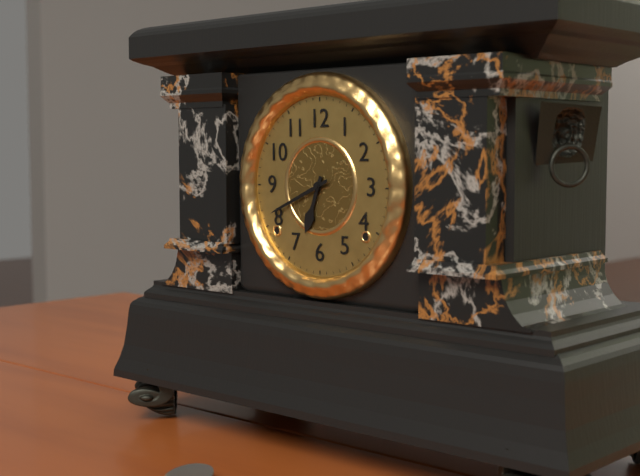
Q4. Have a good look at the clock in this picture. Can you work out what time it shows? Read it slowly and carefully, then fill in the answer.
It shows 6:41
